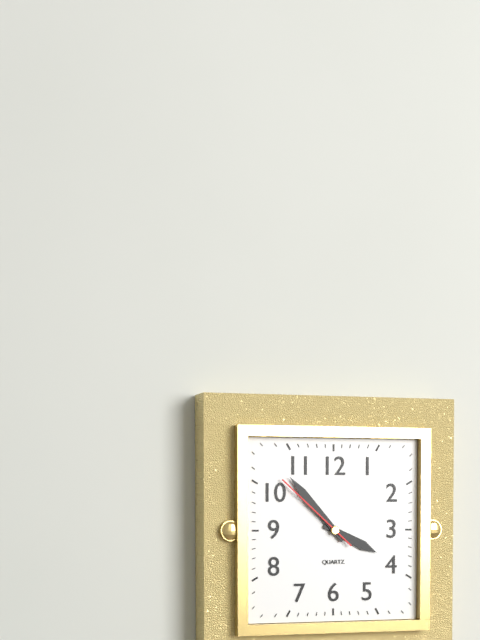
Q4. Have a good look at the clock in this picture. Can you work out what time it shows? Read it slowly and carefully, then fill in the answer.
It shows 3:53:52
